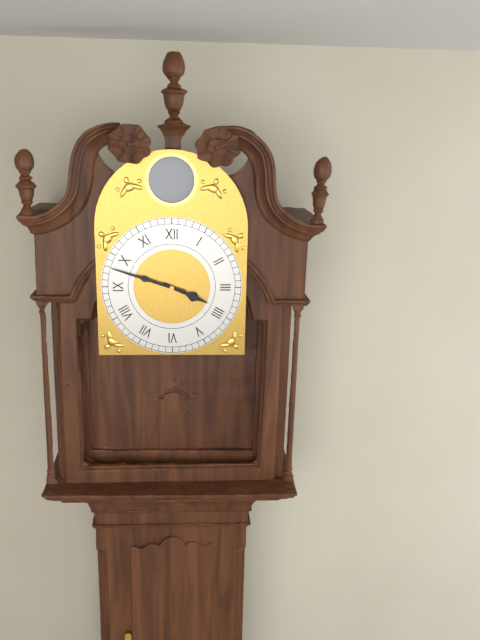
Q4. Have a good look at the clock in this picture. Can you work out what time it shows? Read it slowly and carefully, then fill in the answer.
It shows 3:48
